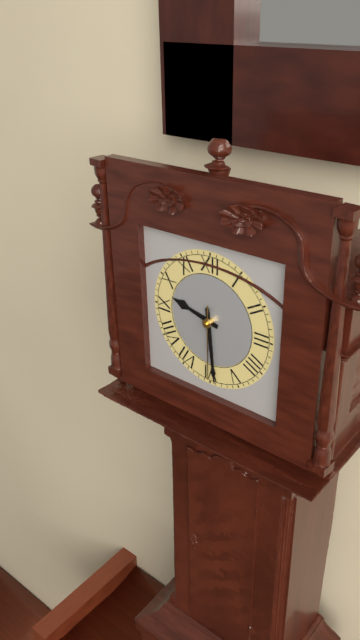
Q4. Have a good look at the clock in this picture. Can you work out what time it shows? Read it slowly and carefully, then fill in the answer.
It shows 9:29:30
